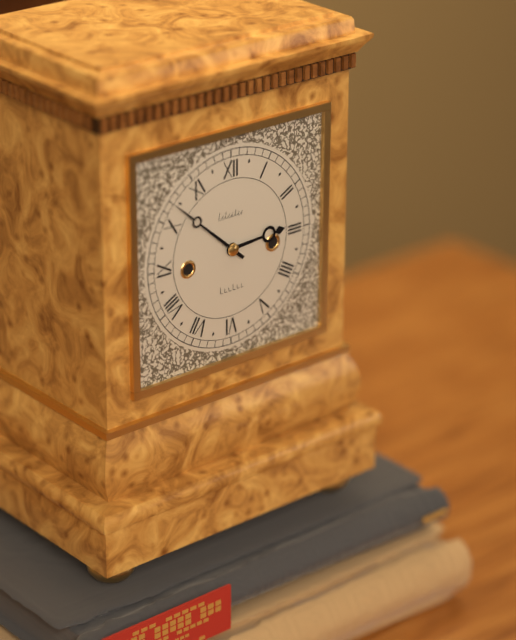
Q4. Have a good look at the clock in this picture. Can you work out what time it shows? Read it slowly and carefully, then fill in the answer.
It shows 2:52
